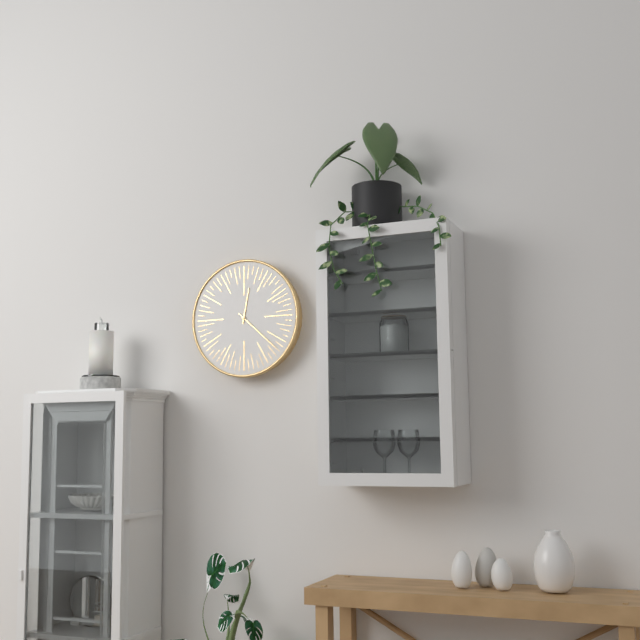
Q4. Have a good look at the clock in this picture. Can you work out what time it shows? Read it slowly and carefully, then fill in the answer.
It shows 12:22
